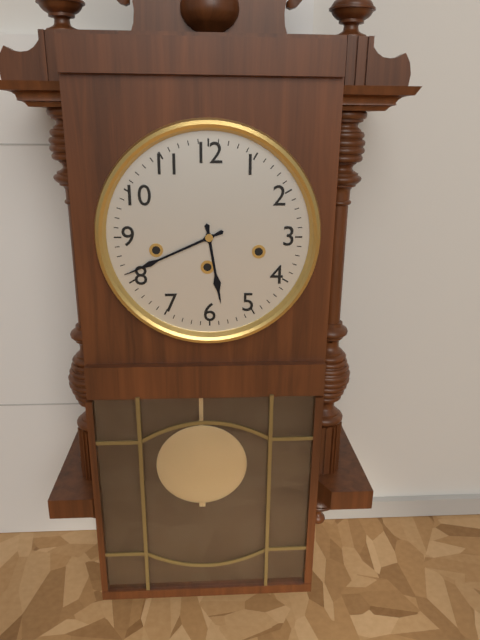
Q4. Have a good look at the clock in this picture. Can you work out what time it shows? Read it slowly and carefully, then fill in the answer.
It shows 5:41
